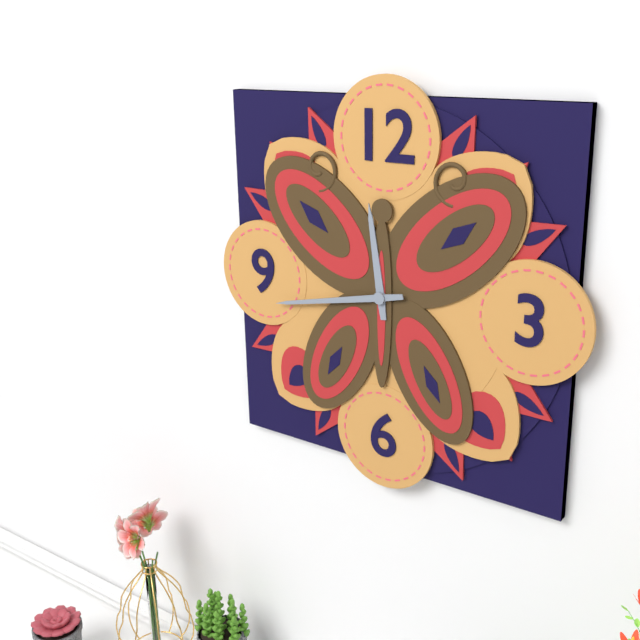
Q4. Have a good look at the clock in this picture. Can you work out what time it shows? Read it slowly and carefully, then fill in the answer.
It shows 11:43
